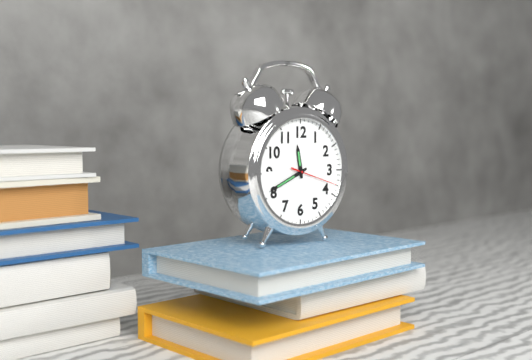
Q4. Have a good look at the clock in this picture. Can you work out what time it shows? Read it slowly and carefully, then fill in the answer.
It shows 11:41
